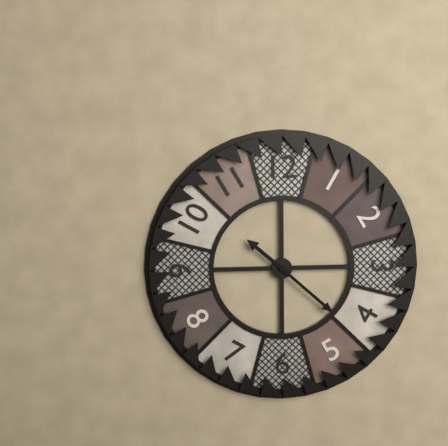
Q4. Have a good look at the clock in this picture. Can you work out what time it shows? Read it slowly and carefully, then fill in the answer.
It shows 10:22
